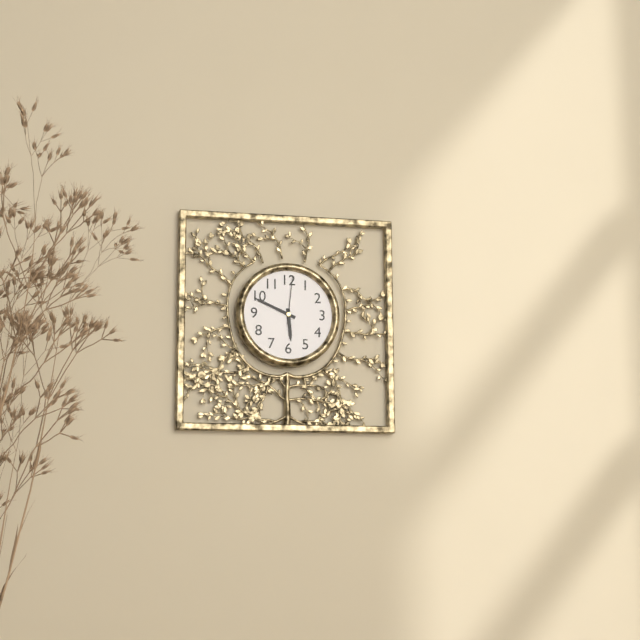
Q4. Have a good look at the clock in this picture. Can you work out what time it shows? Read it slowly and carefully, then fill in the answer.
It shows 5:49:01
